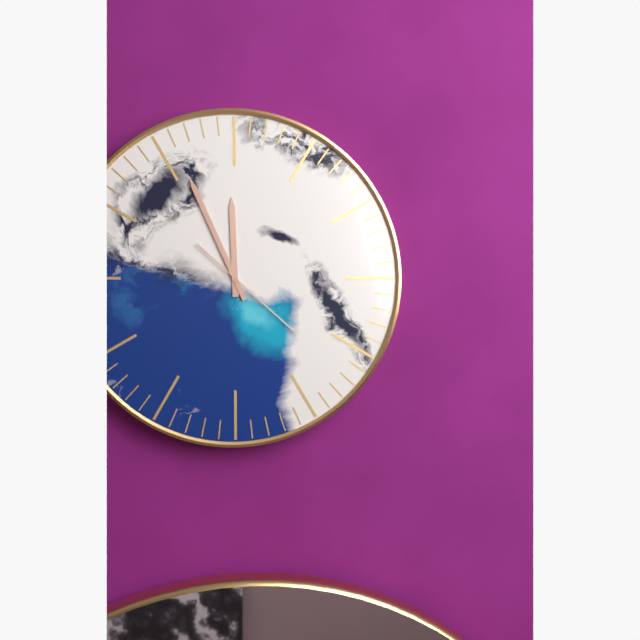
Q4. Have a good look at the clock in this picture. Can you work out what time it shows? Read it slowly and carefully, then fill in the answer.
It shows 11:56:22
